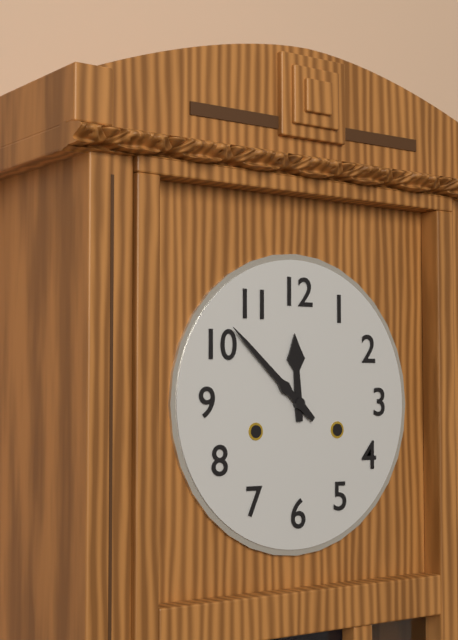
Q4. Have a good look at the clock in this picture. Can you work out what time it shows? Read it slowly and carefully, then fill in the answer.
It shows 11:52
